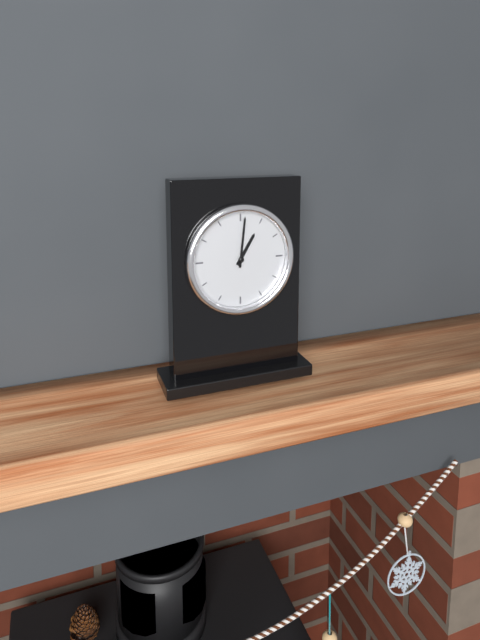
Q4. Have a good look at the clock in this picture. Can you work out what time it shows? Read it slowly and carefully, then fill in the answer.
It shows 1:01
